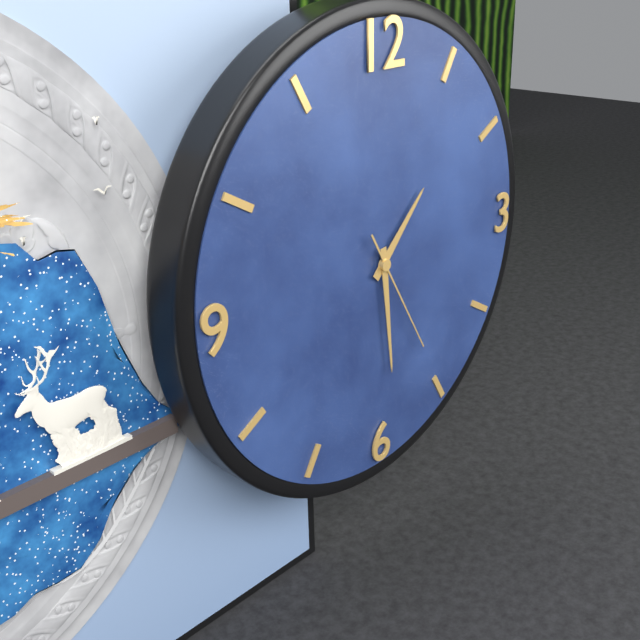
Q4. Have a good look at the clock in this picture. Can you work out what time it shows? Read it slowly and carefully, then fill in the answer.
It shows 1:29:25
